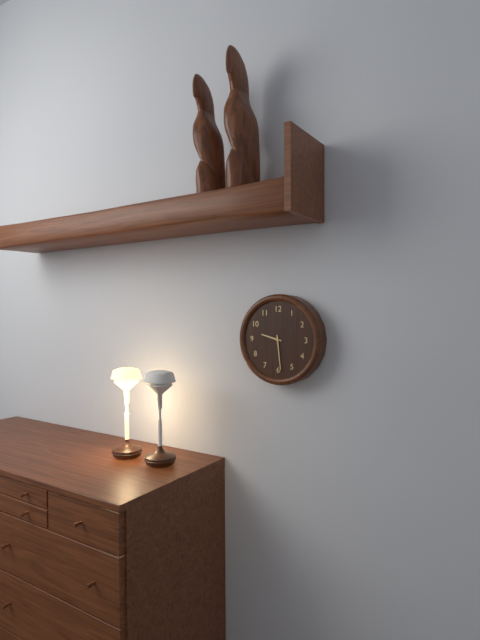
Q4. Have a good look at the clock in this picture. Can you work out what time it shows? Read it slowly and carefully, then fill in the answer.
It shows 9:29
